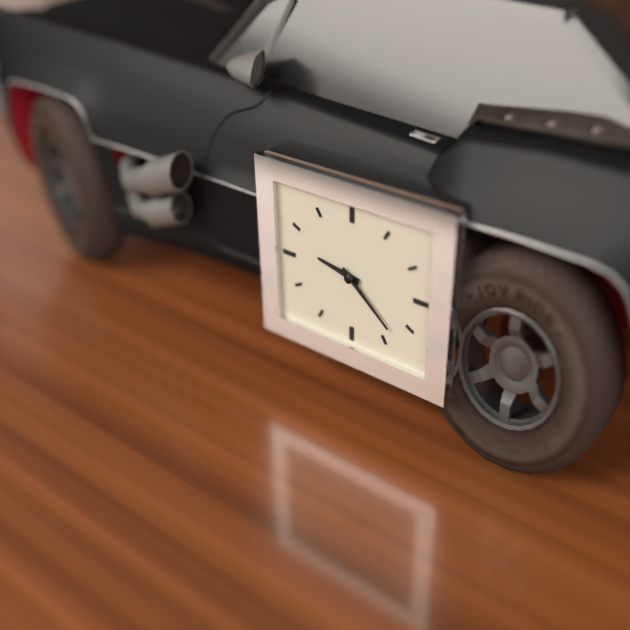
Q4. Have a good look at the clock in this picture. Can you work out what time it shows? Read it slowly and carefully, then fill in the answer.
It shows 9:22
